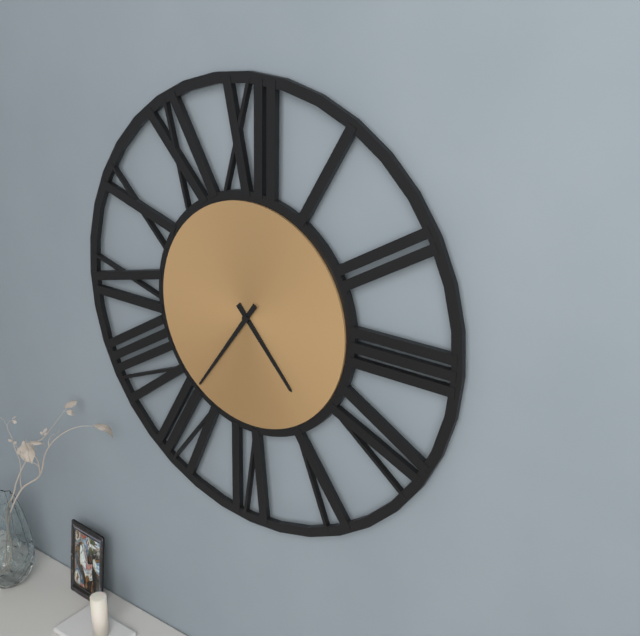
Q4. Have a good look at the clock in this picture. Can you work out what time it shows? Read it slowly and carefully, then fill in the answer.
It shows 4:36
